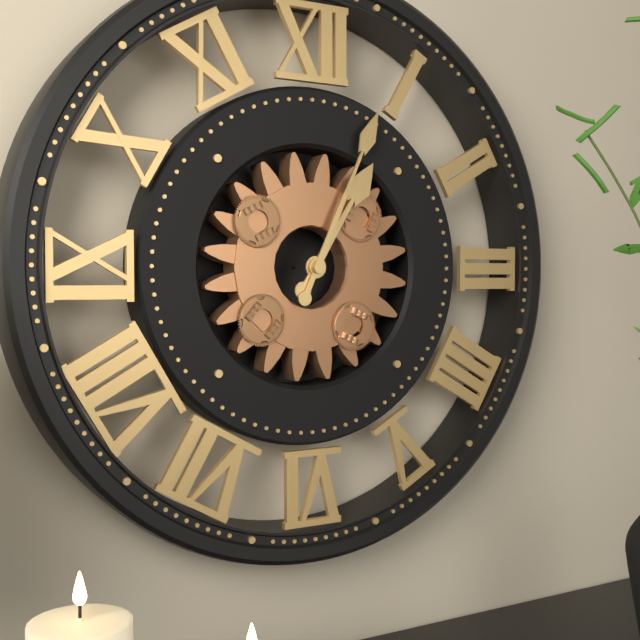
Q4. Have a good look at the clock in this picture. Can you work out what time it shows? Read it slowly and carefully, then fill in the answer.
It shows 1:04
